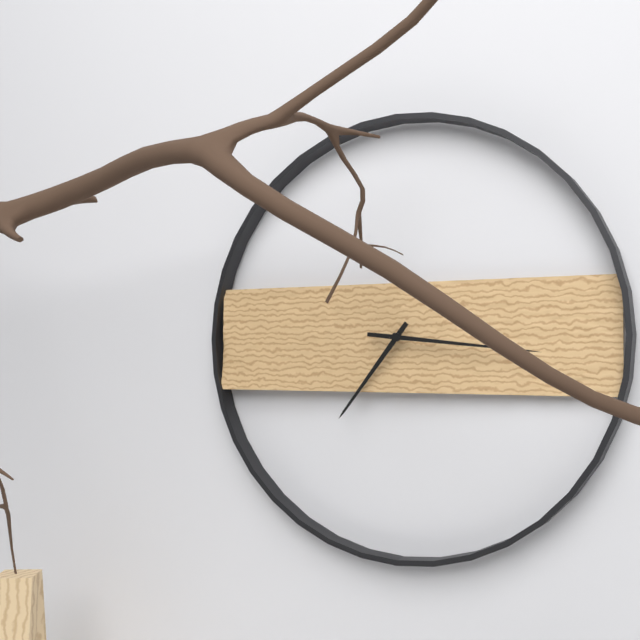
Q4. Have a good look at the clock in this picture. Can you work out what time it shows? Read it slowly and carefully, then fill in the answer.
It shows 7:16
